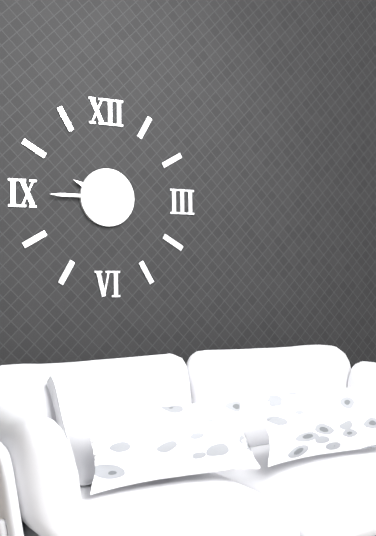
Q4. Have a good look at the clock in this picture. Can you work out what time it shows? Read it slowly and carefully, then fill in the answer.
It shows 9:45
